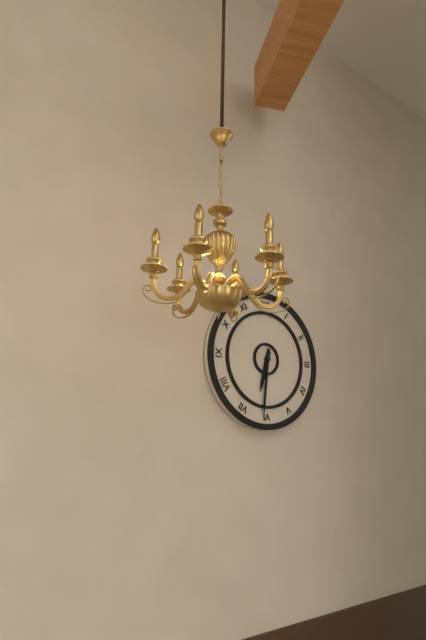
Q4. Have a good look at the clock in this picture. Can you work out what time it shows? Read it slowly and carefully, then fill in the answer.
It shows 6:31
